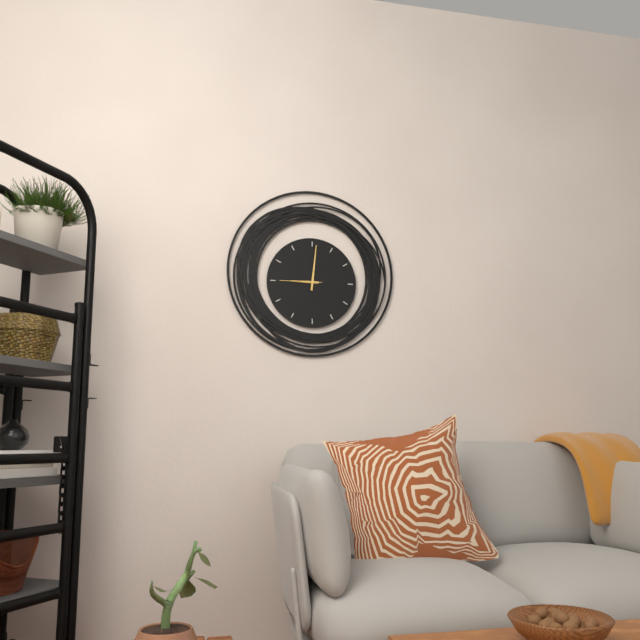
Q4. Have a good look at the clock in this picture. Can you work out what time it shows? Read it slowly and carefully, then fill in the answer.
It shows 9:01
